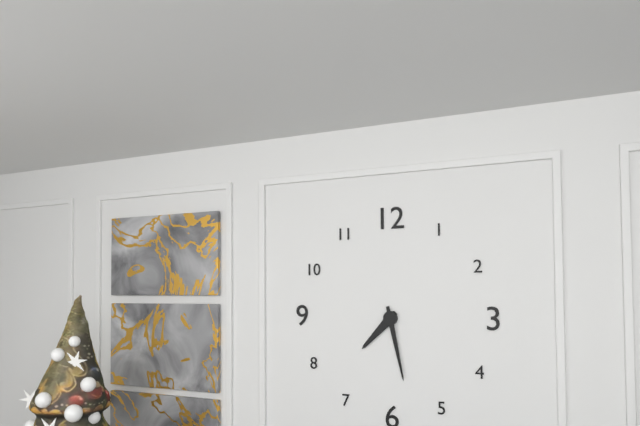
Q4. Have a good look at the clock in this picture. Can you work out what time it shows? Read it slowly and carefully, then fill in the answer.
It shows 7:28
